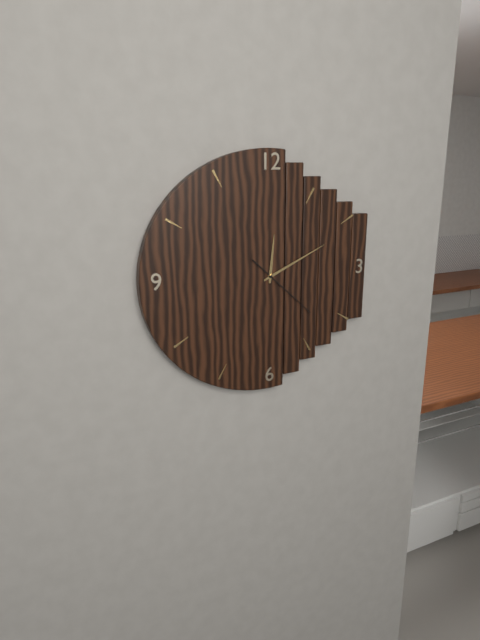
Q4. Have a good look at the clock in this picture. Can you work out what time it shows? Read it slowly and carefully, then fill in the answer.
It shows 12:11:22
